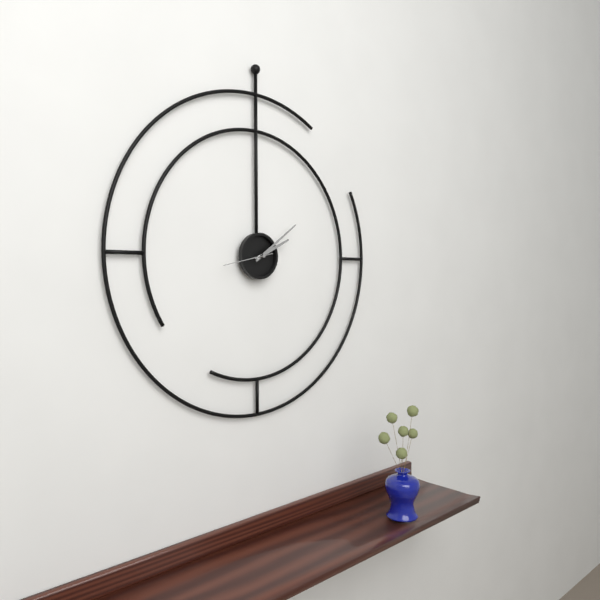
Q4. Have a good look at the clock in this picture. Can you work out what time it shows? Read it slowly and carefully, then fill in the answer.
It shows 2:09:43
